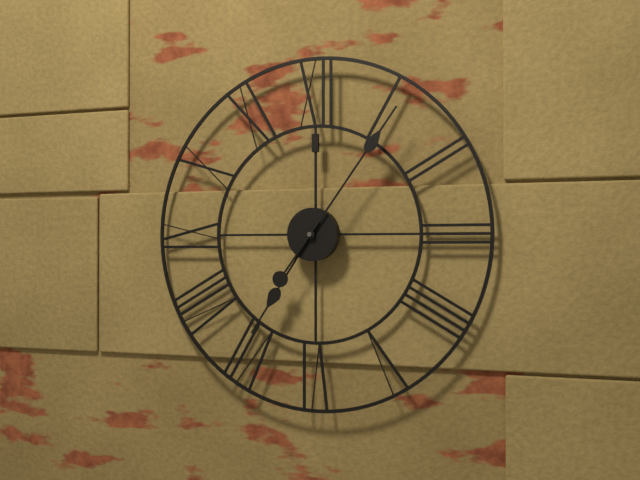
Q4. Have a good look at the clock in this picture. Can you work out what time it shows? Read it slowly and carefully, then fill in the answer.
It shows 7:06
